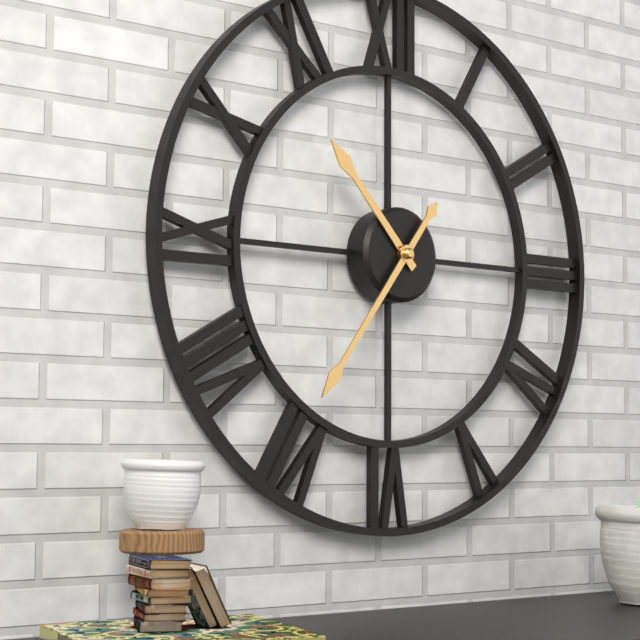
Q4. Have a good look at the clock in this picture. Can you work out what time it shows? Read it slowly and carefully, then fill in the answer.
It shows 10:36
